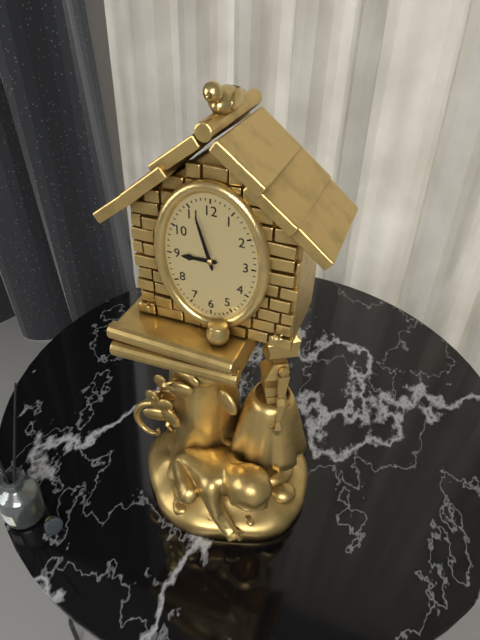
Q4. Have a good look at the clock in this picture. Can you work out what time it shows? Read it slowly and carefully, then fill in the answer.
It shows 8:57
